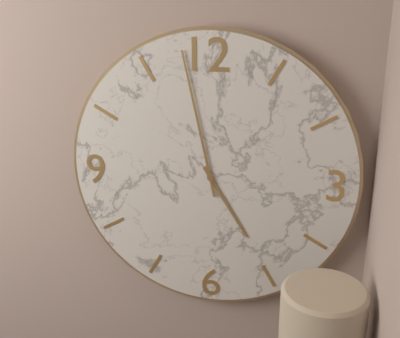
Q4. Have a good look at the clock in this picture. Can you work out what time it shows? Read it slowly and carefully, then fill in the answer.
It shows 4:58
